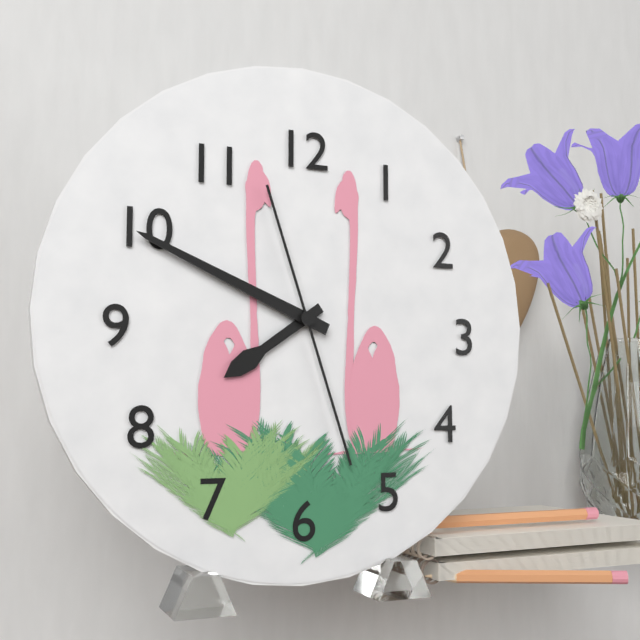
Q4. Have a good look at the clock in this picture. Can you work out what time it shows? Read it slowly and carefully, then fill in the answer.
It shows 7:49:27
